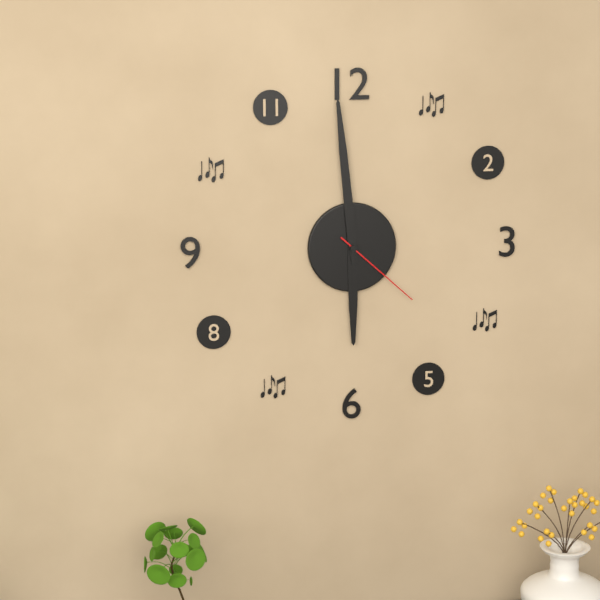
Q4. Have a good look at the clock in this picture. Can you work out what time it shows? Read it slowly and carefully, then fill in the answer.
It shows 5:59:22
